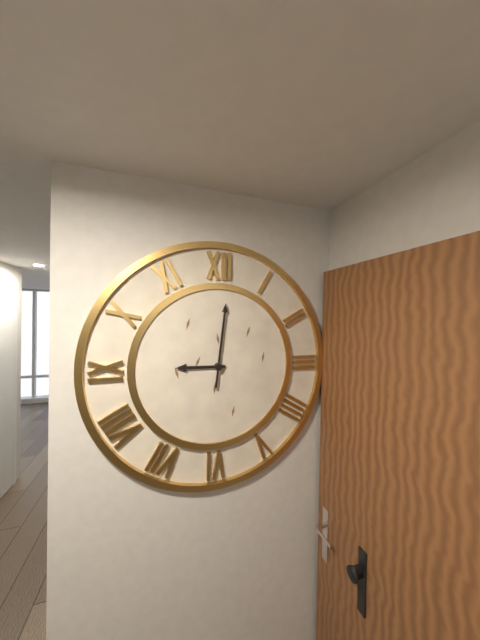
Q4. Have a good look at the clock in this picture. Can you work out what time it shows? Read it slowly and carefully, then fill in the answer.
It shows 9:01
